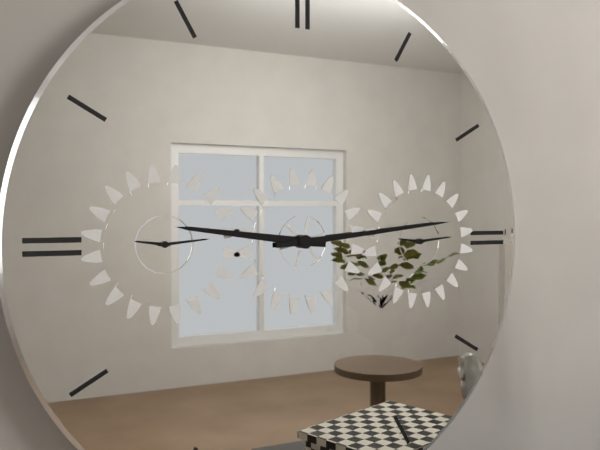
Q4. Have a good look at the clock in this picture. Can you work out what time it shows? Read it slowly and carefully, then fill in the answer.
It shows 9:14
